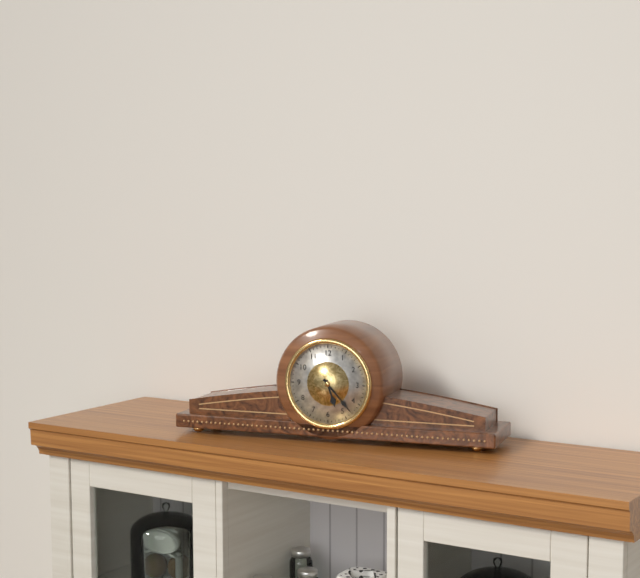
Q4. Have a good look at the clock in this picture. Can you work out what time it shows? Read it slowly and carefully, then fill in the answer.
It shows 5:23
